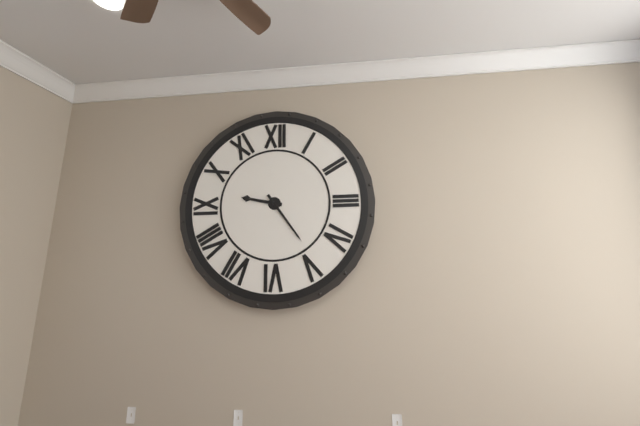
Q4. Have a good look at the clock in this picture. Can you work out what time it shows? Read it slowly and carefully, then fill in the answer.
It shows 9:24
